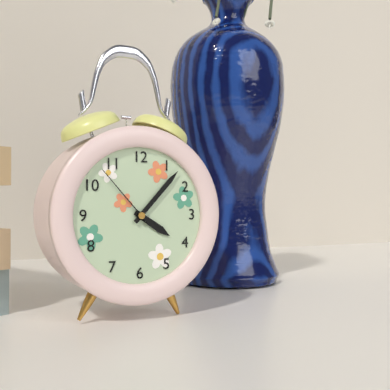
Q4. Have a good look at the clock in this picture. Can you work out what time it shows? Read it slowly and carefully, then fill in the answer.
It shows 4:07:53
